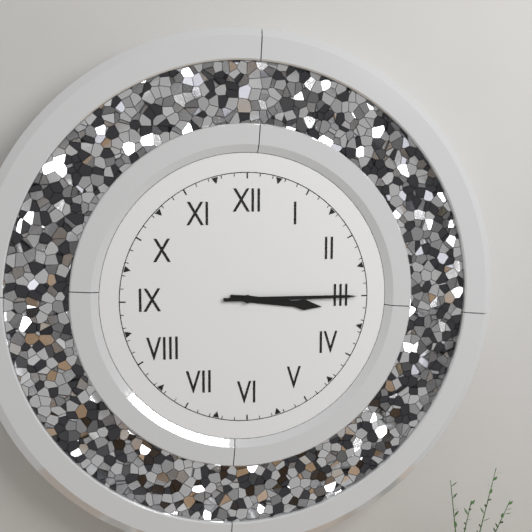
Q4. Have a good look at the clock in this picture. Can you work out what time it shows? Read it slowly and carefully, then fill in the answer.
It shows 3:15
